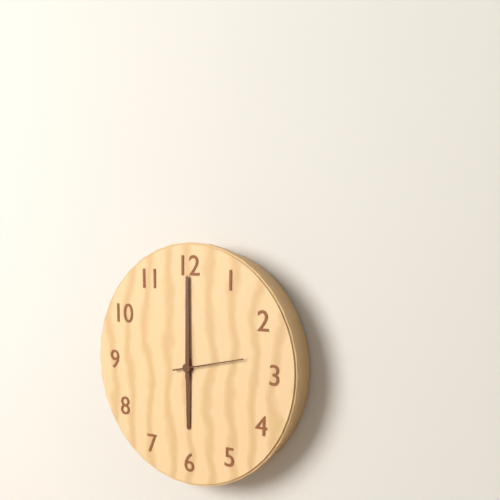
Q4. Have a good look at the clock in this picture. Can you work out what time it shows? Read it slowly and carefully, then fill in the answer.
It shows 6:00:13
